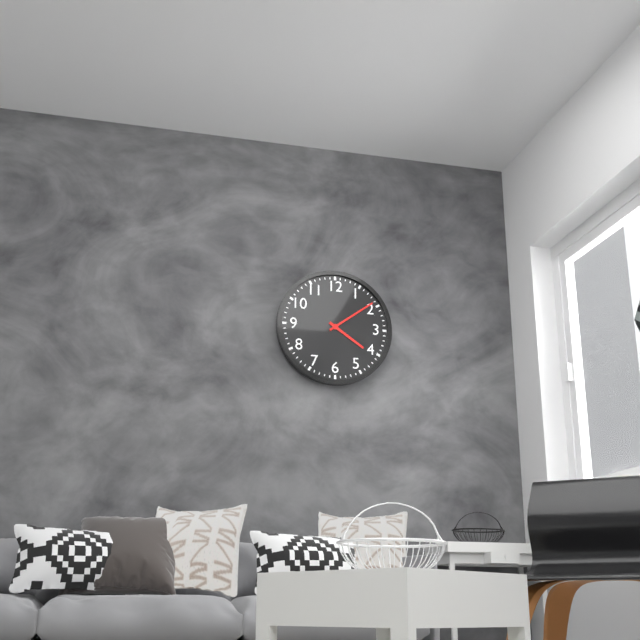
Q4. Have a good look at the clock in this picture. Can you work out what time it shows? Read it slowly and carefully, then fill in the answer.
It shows 4:09
